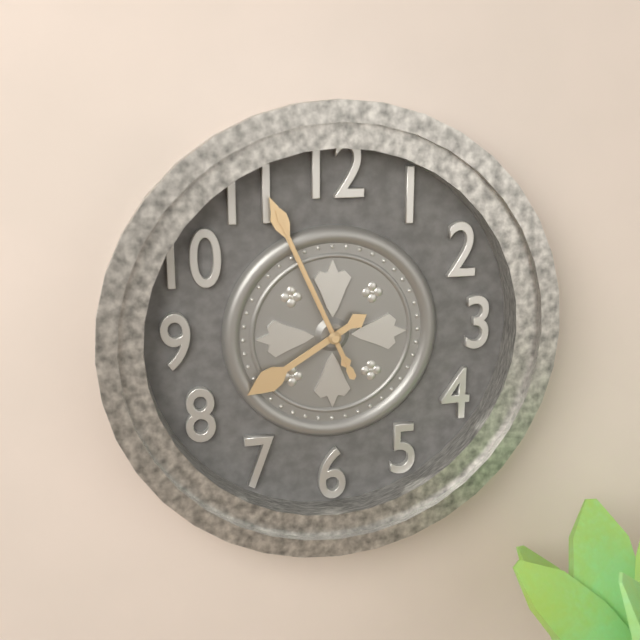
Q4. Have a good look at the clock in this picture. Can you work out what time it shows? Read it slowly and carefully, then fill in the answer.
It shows 7:56:56
